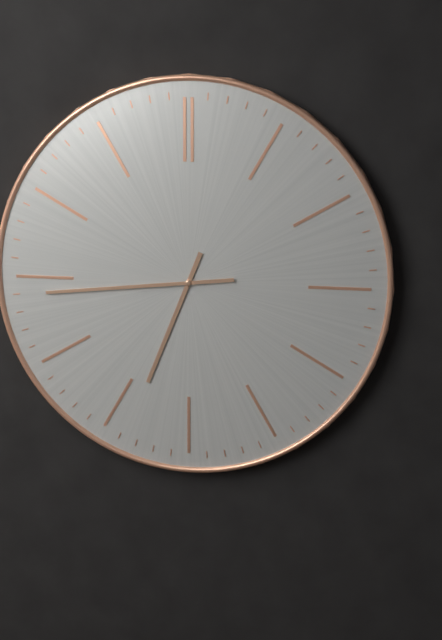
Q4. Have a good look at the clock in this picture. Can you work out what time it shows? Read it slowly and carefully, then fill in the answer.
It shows 6:44
